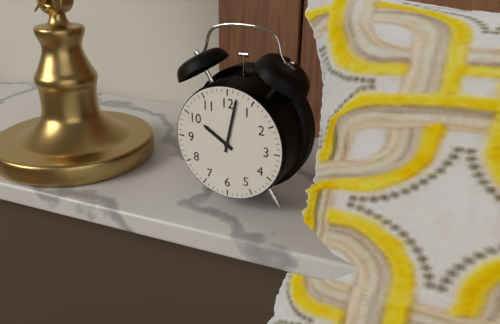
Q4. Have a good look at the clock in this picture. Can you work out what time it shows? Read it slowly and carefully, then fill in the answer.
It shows 10:02
